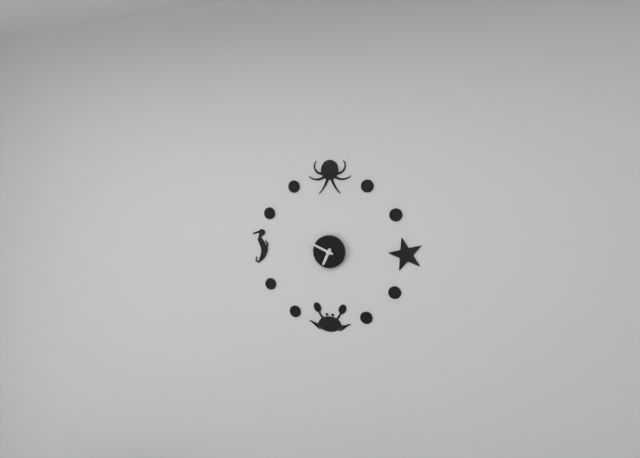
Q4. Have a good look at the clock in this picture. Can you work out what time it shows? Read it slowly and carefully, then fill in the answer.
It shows 6:49
